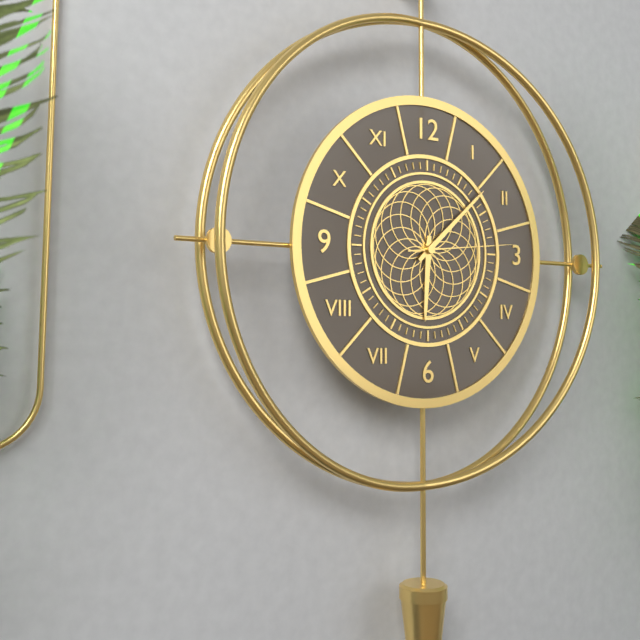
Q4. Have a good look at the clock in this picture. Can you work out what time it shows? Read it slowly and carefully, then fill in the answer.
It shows 6:08:14
